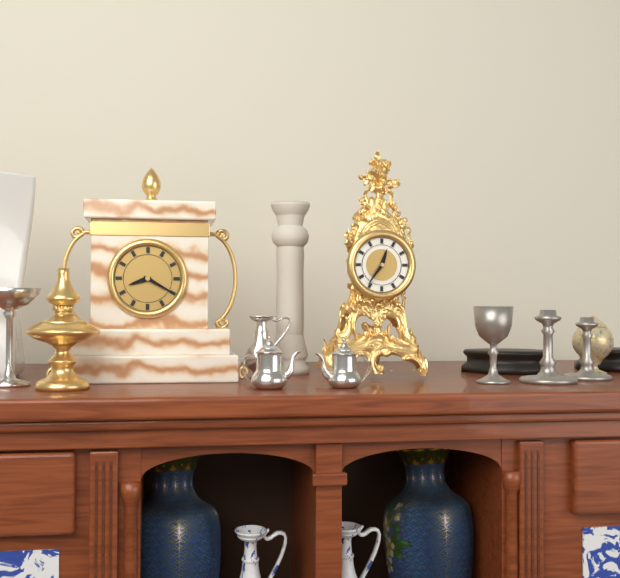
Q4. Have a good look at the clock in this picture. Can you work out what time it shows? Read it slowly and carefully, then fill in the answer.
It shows 12:36
